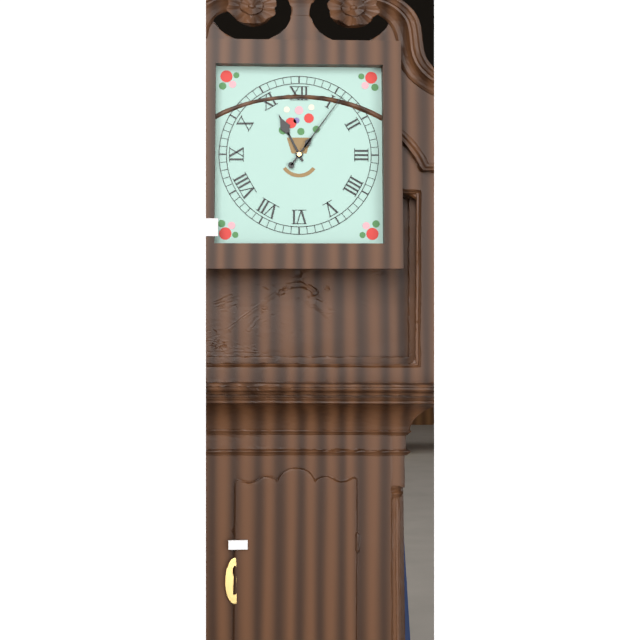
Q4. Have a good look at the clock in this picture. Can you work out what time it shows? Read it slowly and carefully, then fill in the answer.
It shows 11:06
